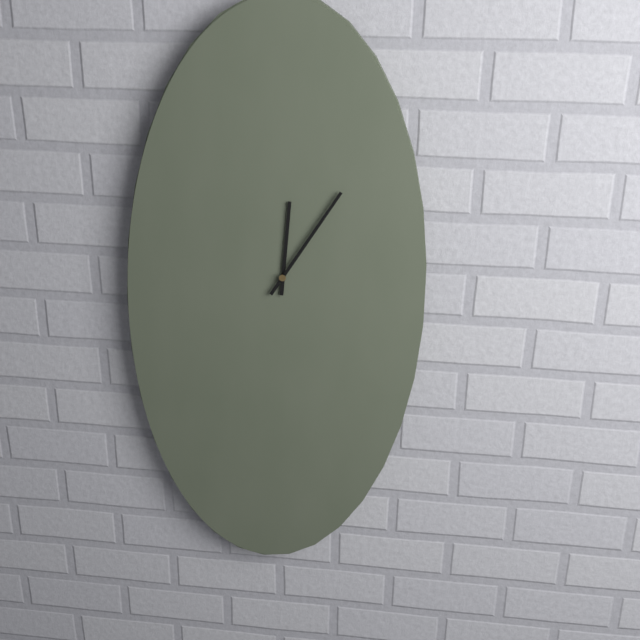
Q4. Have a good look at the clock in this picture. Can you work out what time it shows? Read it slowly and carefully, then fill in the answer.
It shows 12:05
